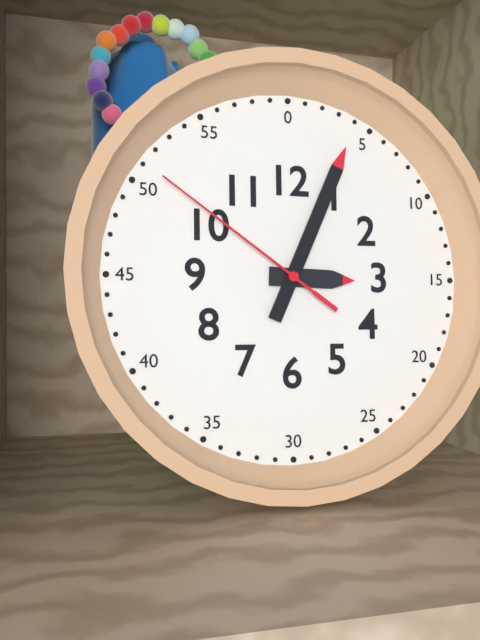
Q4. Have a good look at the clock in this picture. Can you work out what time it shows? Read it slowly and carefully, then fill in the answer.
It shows 3:04:51
